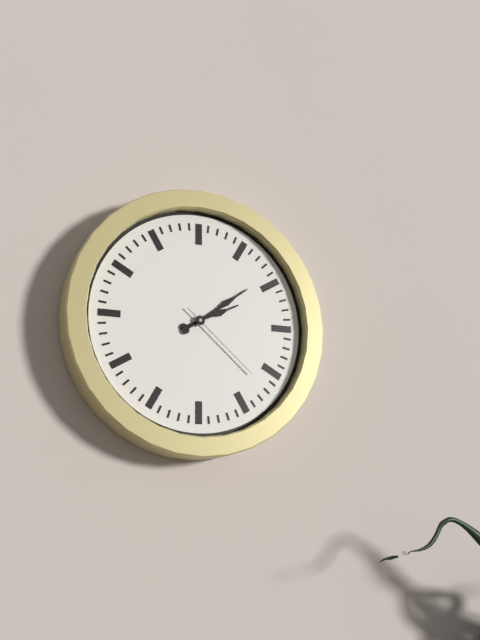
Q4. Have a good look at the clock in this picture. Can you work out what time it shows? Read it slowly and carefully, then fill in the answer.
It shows 2:09:22
